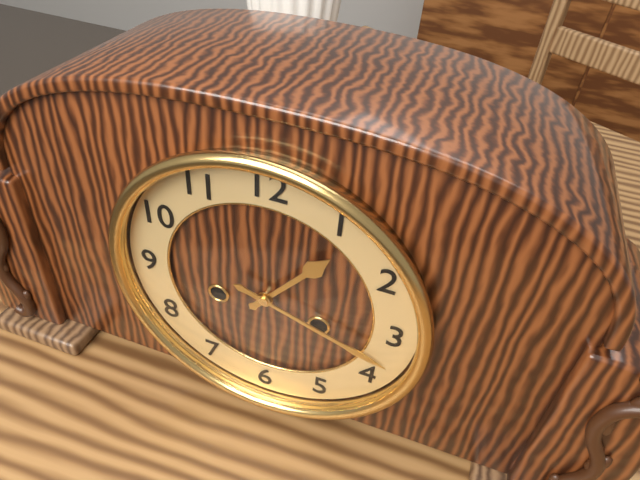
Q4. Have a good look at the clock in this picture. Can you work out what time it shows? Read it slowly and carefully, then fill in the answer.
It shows 1:18
